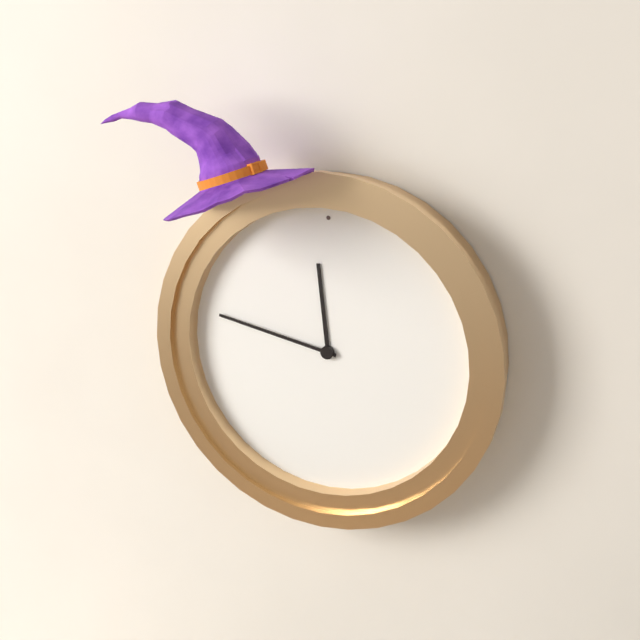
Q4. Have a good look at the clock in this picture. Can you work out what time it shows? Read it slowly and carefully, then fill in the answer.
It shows 11:47
